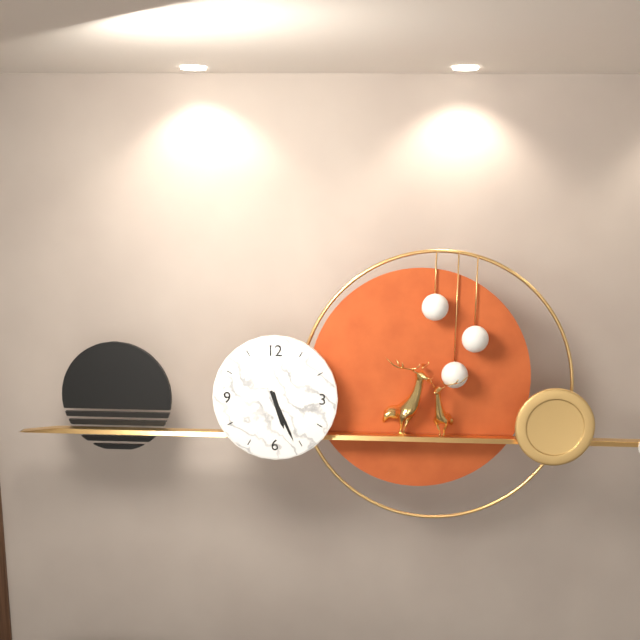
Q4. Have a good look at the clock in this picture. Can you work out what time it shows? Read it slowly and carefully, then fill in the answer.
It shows 5:26
